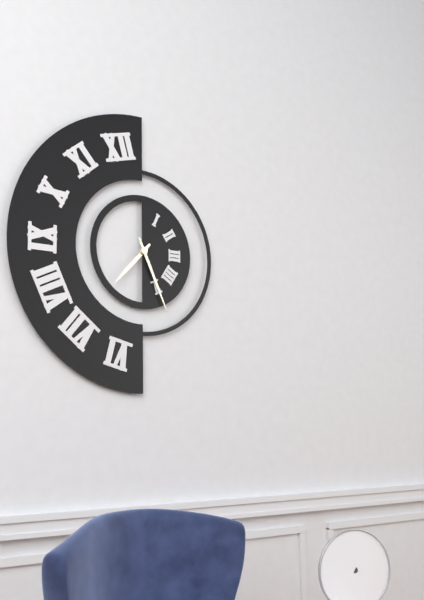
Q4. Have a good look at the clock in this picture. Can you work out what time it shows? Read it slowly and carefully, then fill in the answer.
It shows 7:26
